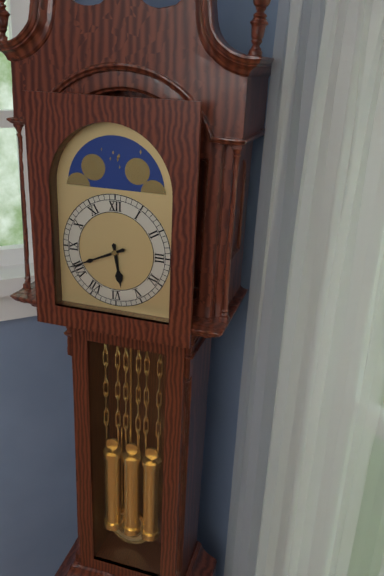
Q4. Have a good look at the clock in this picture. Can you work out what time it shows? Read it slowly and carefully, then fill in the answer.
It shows 5:41
